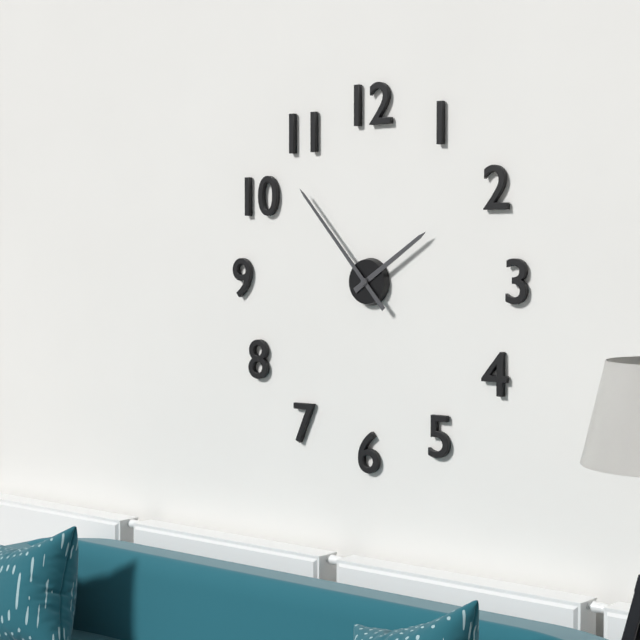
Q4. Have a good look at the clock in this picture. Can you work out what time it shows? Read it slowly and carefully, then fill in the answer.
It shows 1:53
